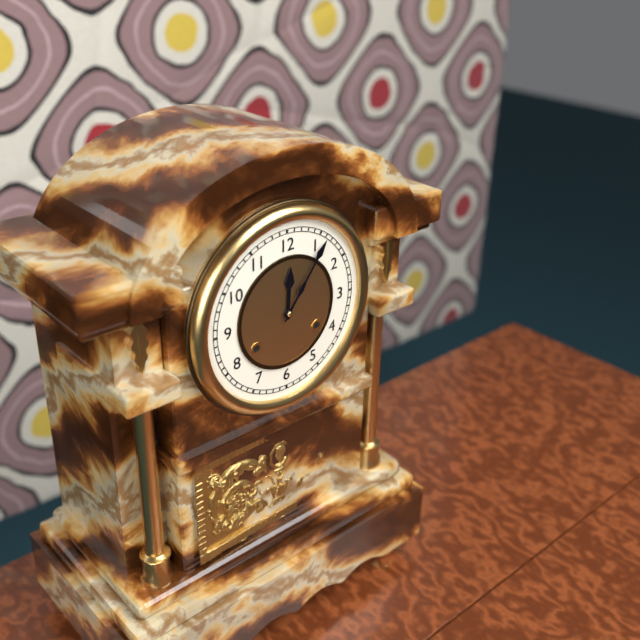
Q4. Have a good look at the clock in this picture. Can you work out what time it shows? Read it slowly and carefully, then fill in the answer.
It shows 12:06
